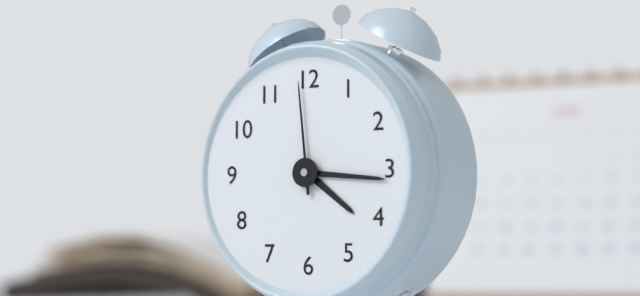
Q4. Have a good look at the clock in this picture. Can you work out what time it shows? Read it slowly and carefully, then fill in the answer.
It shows 4:16:59
